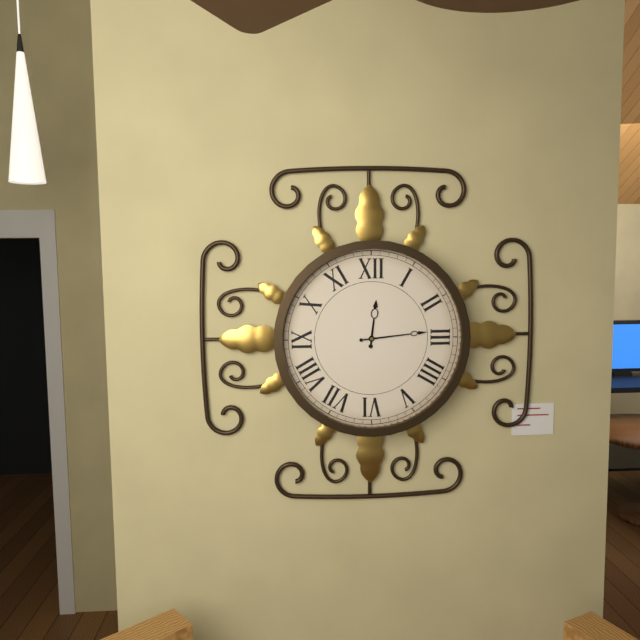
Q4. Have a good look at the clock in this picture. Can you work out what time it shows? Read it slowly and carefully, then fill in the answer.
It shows 12:14
